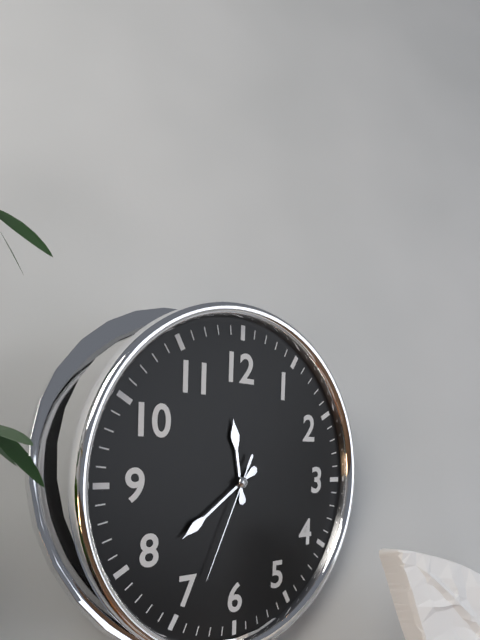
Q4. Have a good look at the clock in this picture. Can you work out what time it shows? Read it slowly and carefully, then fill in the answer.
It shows 11:39:34
